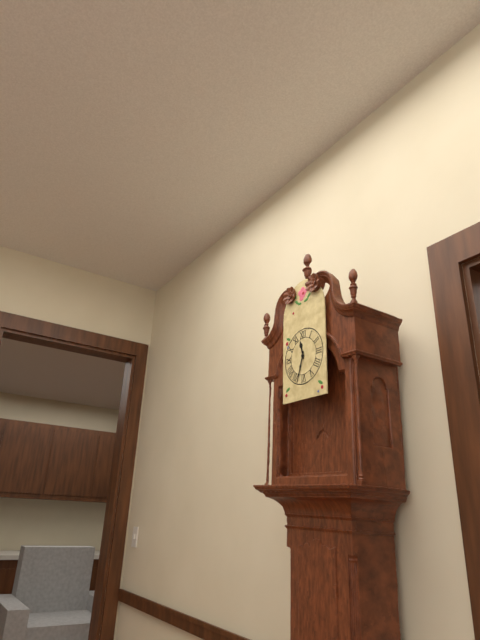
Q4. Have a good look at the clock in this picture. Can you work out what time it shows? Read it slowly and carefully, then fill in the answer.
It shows 11:33
